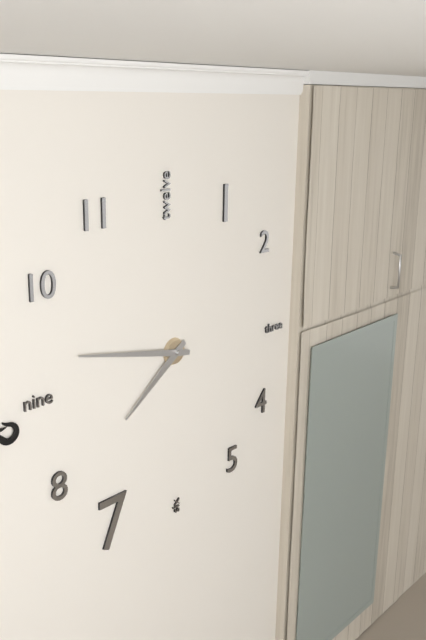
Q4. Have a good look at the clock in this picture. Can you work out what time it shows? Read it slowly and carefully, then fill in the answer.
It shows 7:47
